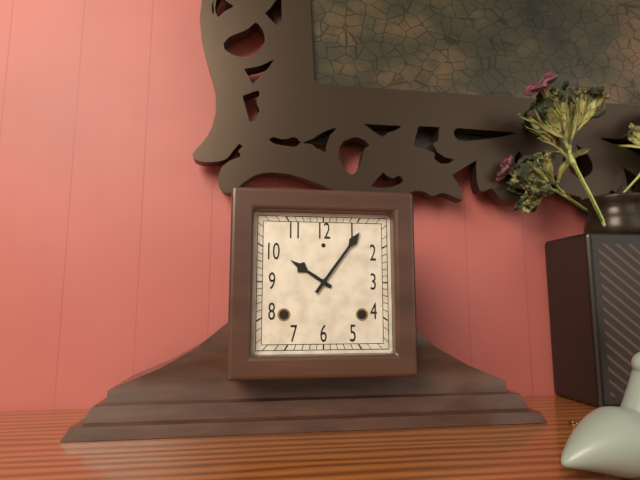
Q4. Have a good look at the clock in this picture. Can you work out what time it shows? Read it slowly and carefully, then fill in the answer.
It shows 10:06
